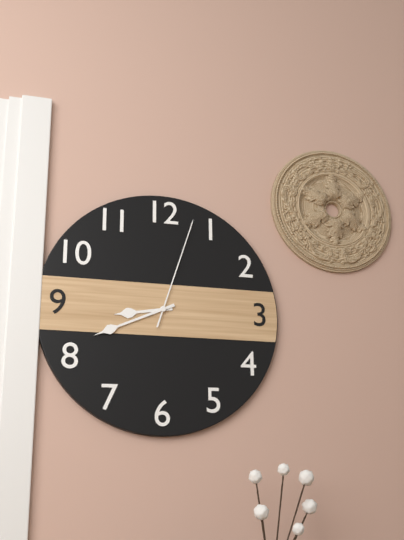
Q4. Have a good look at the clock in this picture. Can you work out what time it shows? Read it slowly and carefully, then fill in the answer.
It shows 8:41:03
